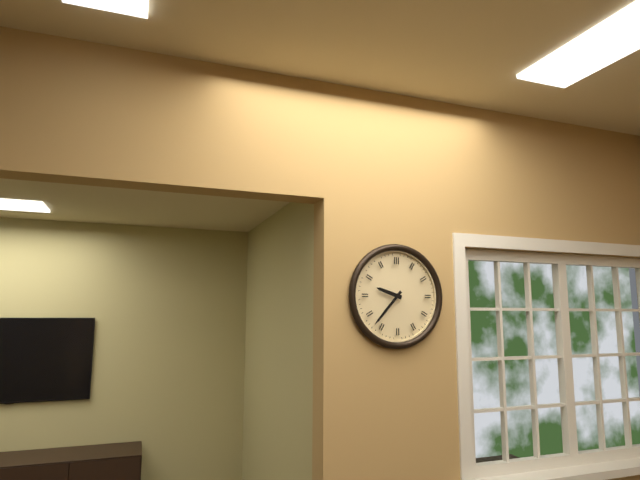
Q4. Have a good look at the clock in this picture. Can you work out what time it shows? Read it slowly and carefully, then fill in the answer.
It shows 9:37
